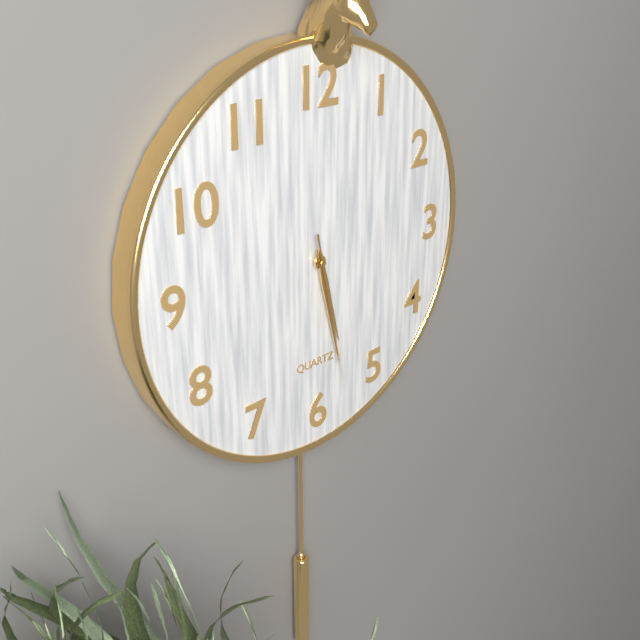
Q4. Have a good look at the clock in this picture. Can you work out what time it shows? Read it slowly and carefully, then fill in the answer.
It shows 5:28:28
